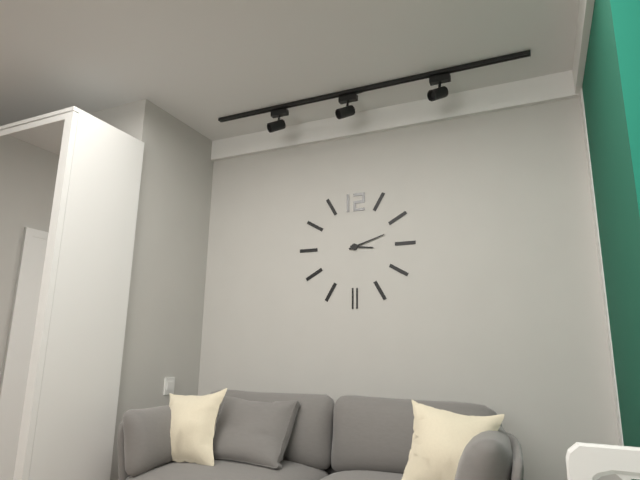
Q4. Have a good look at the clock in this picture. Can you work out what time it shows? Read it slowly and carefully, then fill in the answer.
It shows 3:12
